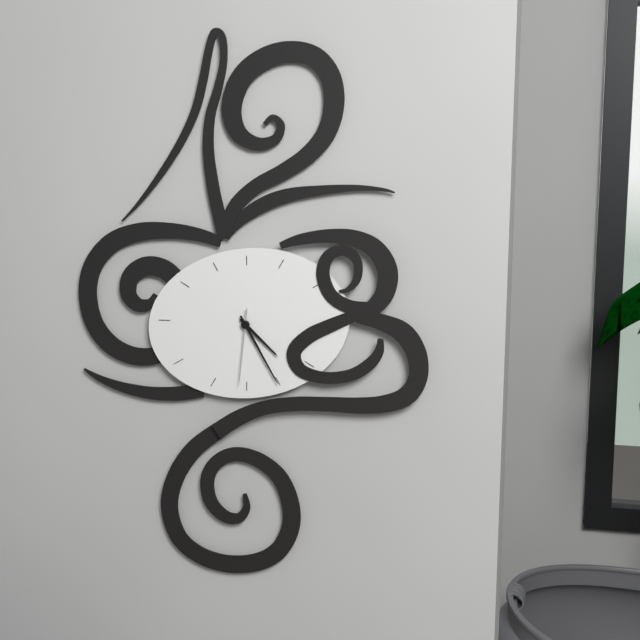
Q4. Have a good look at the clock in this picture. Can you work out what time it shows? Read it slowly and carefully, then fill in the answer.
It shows 4:25:31
